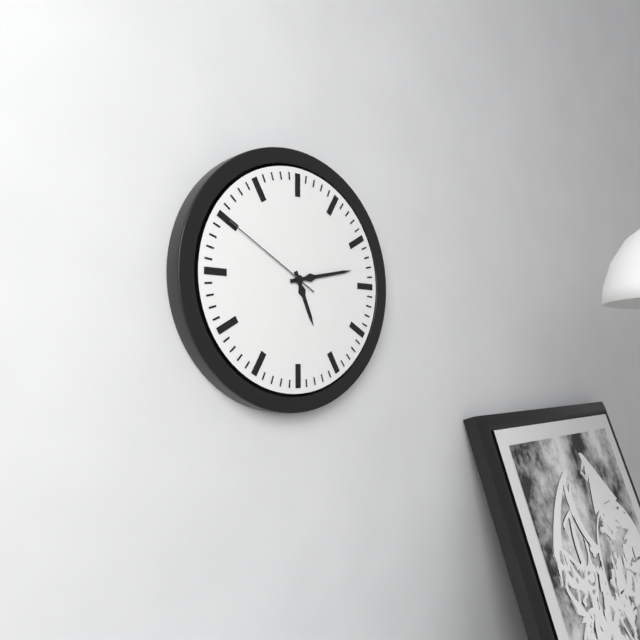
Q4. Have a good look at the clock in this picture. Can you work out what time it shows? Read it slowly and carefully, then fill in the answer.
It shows 5:13:50
